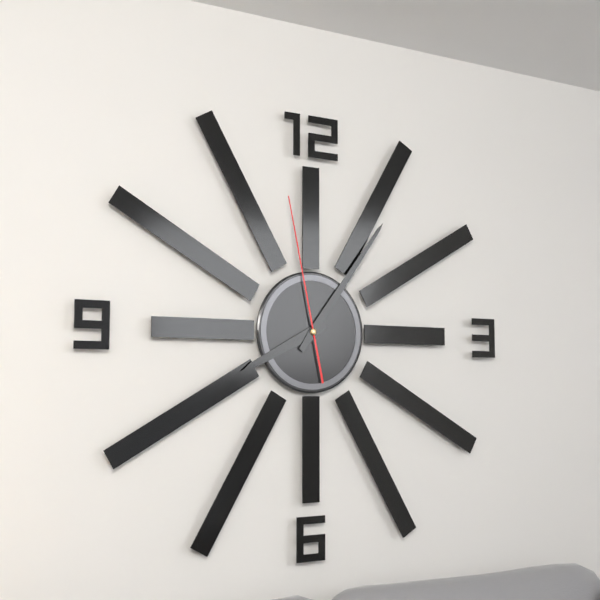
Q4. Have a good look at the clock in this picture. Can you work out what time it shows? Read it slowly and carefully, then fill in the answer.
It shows 8:06:58
